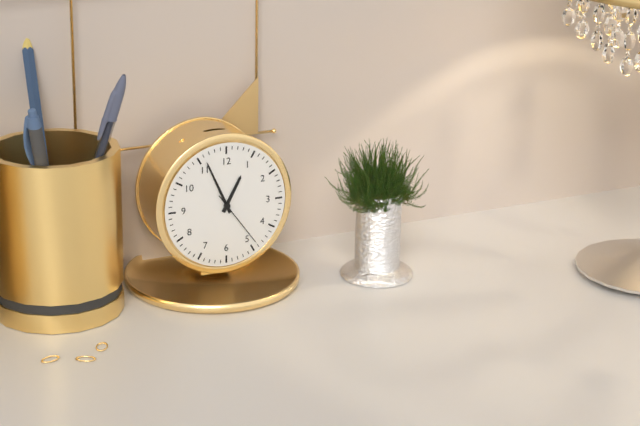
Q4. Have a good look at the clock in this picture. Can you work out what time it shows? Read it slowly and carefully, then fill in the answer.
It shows 12:56:24
